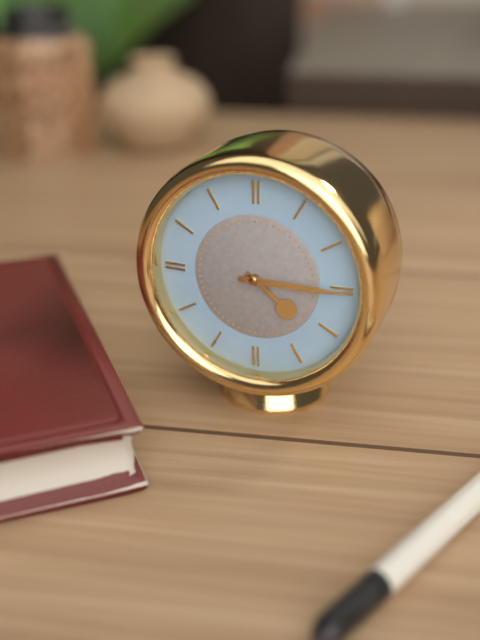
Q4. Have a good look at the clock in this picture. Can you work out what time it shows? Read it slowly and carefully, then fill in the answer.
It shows 4:15
